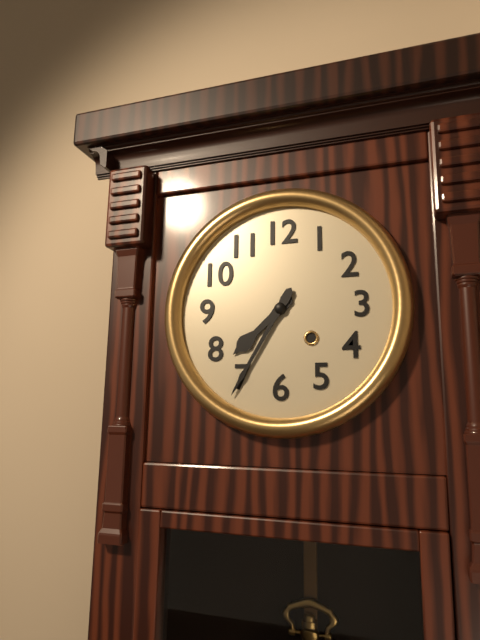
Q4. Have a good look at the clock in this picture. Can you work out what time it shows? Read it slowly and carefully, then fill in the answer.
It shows 7:35
